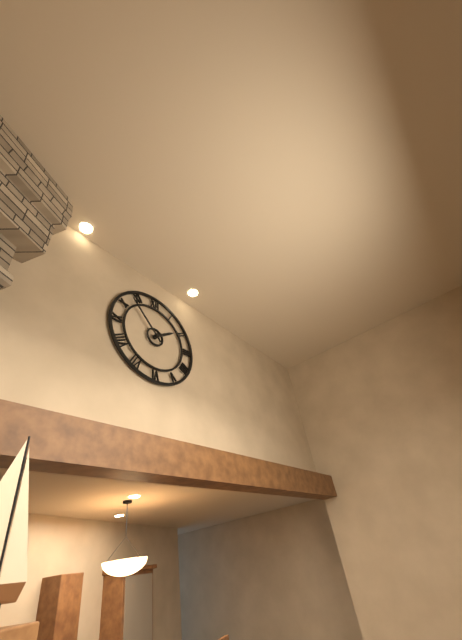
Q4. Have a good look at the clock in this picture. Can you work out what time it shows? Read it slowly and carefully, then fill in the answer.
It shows 1:53
